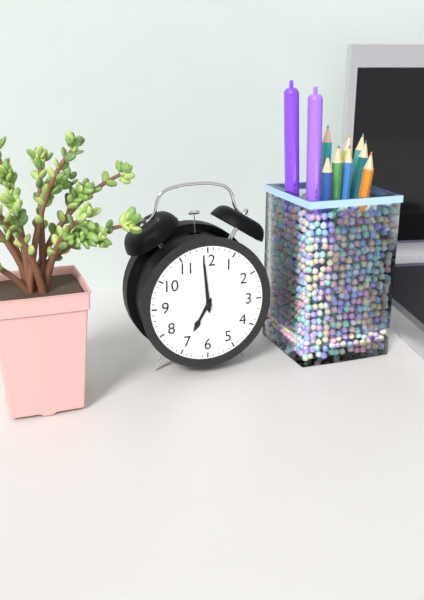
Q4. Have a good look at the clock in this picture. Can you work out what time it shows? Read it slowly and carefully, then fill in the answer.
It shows 6:59
